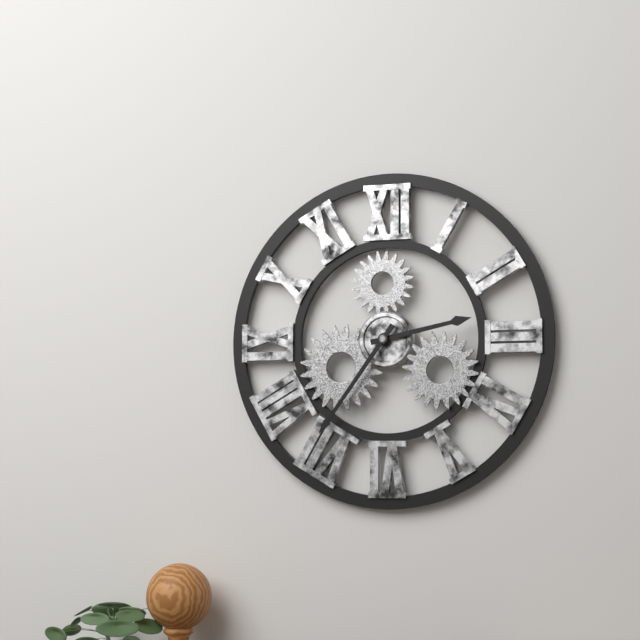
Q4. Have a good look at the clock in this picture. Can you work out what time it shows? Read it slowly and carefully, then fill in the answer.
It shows 2:36
